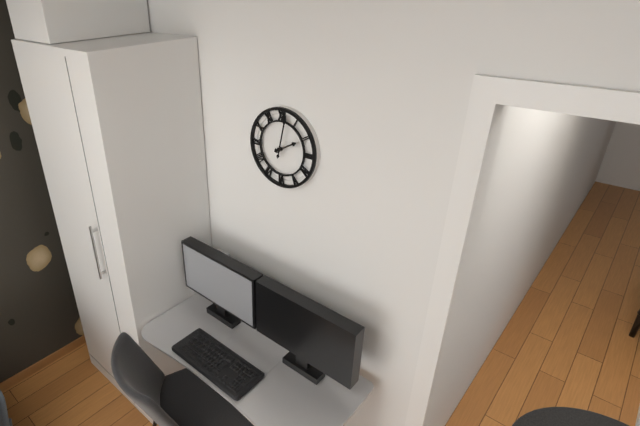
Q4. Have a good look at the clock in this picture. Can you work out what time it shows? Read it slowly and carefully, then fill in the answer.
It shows 2:02
